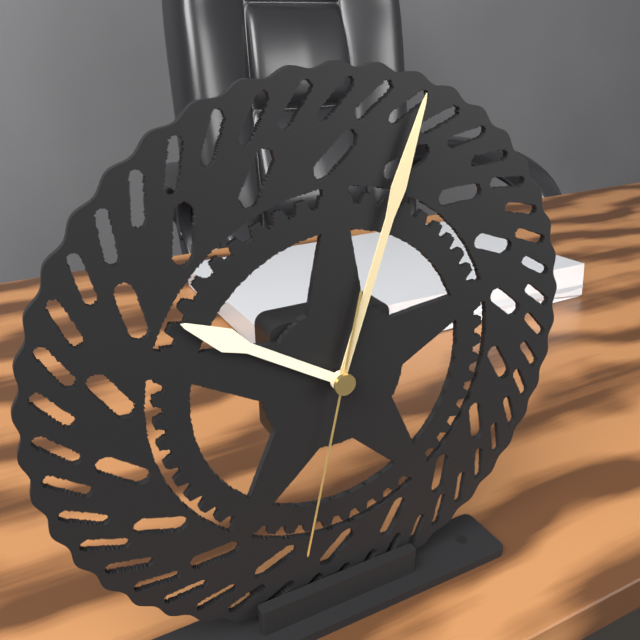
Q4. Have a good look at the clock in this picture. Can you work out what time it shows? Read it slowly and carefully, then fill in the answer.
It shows 10:03:32
